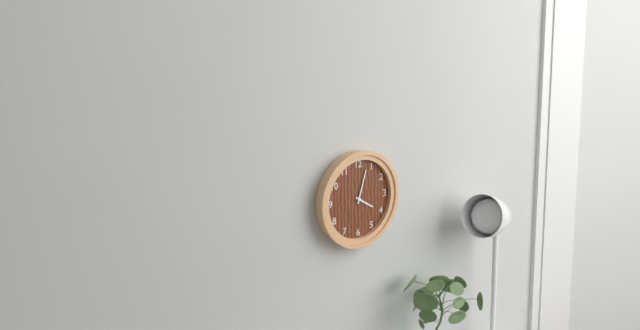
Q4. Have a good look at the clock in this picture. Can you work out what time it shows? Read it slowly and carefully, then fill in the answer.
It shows 4:03
